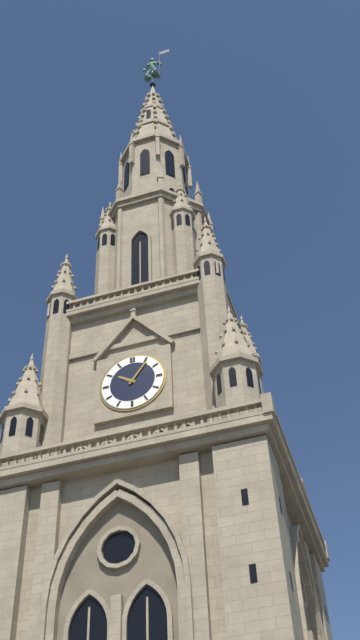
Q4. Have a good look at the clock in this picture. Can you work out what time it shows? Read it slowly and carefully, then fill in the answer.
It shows 10:06
